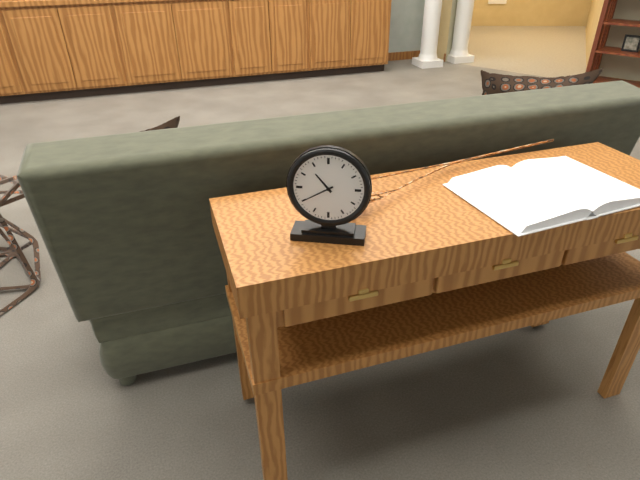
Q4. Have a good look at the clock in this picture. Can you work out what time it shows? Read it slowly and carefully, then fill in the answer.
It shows 10:40
